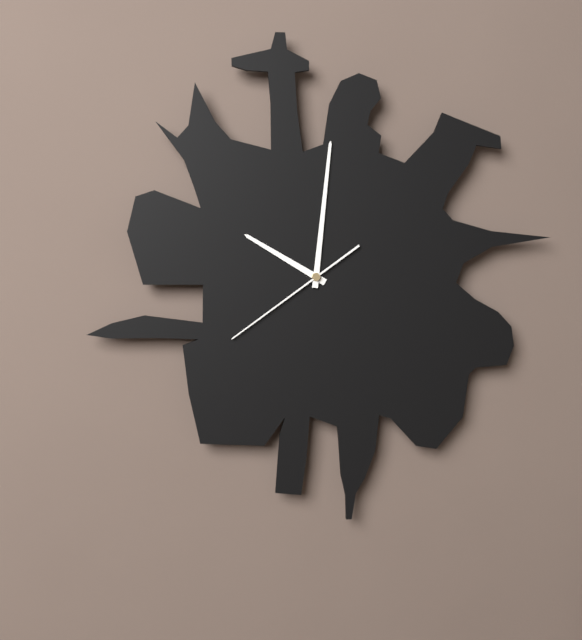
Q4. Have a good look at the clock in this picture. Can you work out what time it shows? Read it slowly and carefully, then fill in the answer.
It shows 10:01:39
